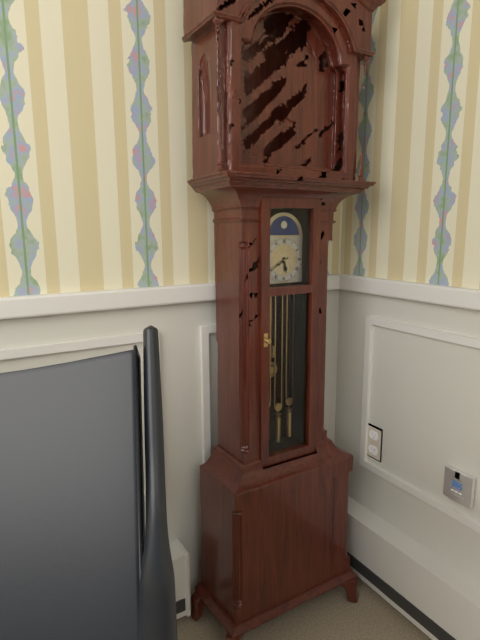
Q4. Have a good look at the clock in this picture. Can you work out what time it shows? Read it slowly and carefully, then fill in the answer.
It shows 5:40
